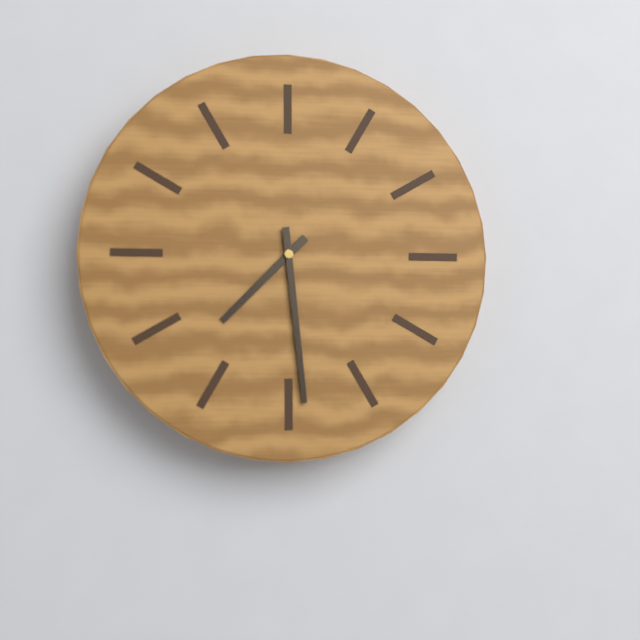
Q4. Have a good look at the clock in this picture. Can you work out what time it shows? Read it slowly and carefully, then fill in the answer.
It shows 7:29
